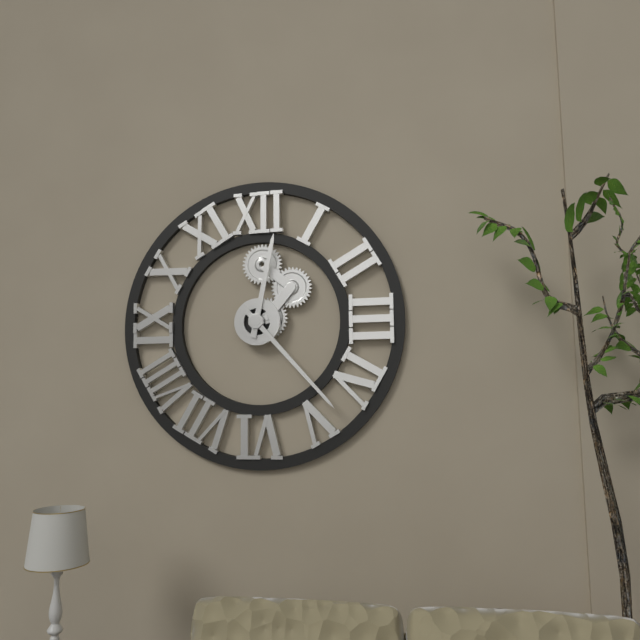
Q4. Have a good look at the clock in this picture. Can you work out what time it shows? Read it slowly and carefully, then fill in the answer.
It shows 12:23
